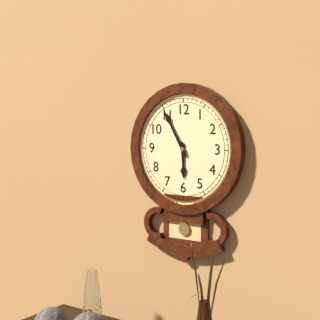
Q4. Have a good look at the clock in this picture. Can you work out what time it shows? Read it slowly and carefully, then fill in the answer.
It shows 5:55
